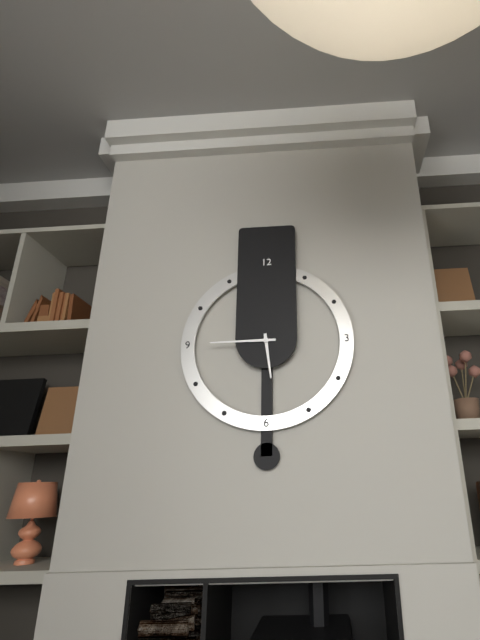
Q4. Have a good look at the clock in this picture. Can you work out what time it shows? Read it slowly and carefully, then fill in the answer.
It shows 5:45
